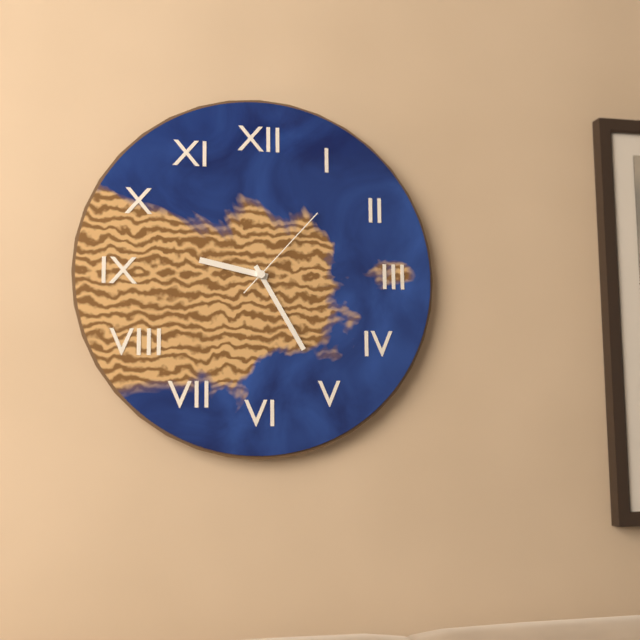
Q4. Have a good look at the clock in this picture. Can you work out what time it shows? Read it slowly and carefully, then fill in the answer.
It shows 9:25:07
